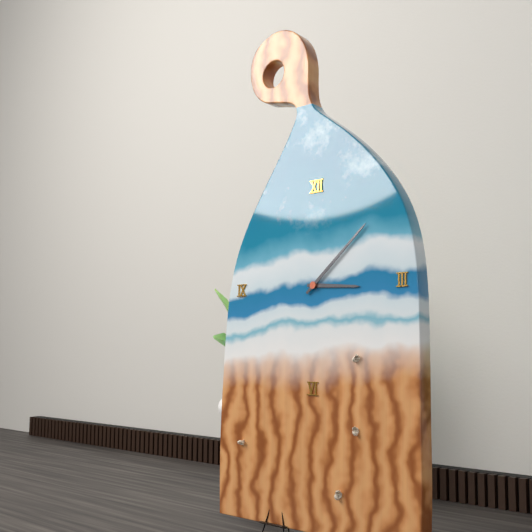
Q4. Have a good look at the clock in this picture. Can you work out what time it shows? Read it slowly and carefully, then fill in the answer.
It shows 3:08
